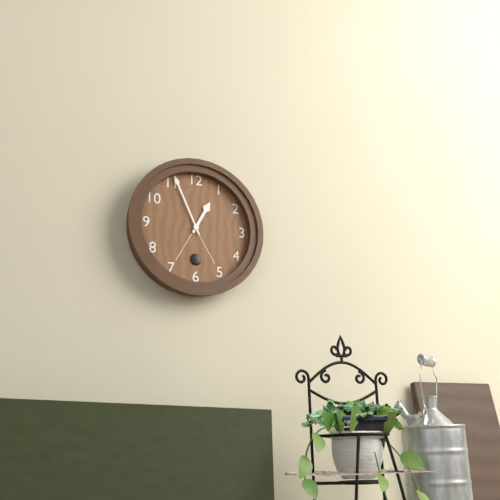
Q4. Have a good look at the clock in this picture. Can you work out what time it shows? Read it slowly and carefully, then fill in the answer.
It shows 12:56
